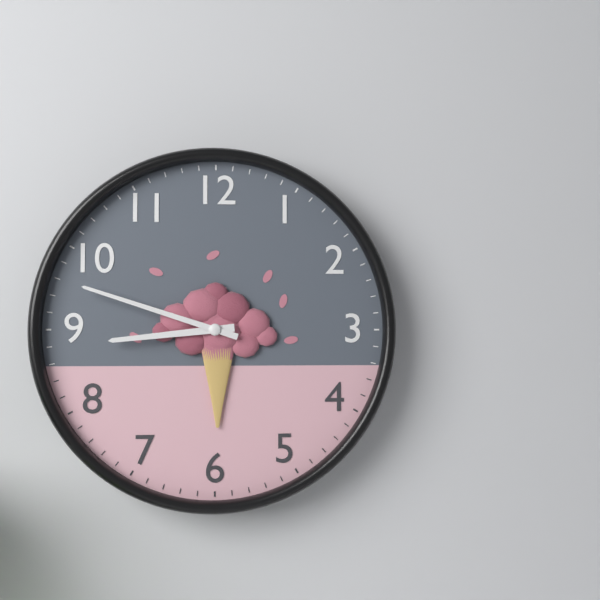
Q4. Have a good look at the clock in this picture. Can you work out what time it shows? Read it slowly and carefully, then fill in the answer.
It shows 8:48
